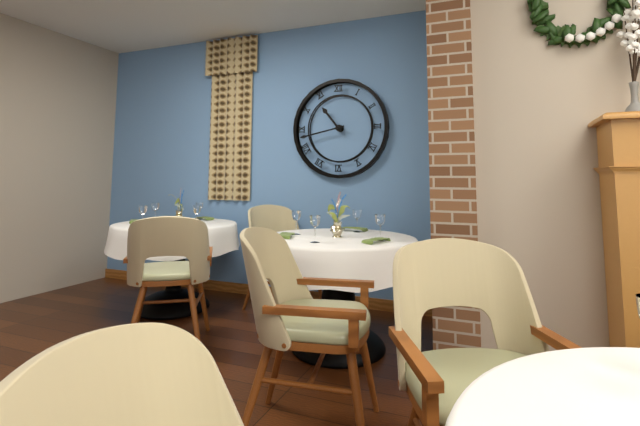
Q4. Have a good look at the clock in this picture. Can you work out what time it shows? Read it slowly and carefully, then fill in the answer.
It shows 10:43
